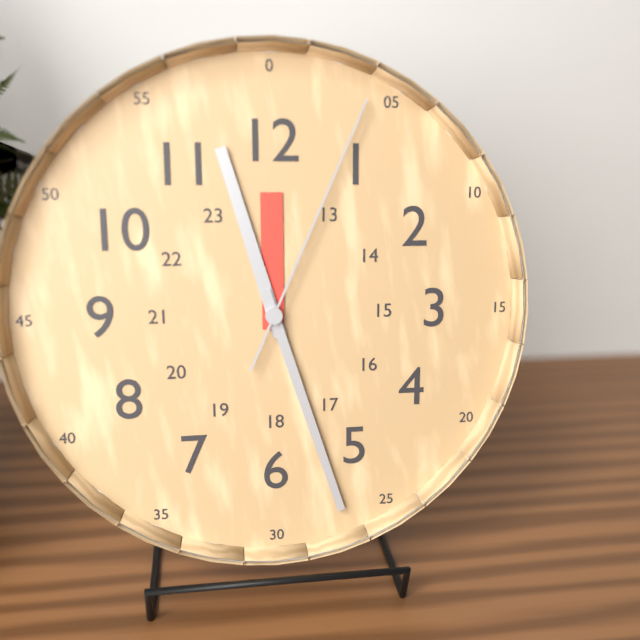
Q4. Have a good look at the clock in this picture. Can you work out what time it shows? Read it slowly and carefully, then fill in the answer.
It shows 11:27:04
